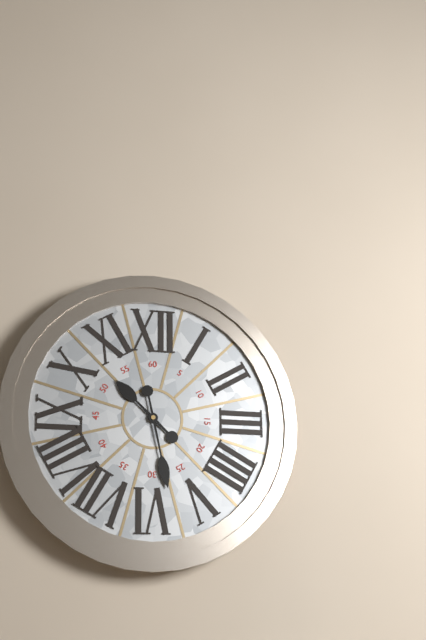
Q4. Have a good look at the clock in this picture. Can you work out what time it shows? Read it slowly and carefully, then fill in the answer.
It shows 10:28
